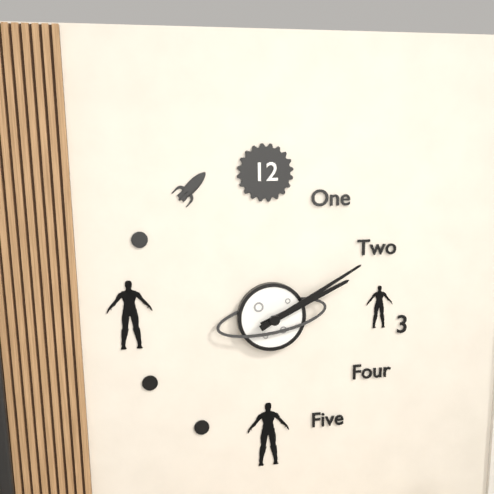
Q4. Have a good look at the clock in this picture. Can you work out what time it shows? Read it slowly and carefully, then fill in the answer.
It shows 2:10
